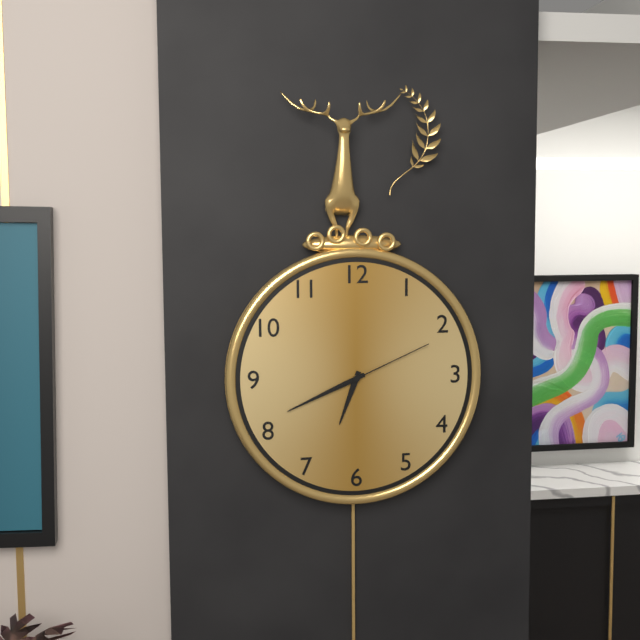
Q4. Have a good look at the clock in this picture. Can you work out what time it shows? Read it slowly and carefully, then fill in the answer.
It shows 6:41:11
